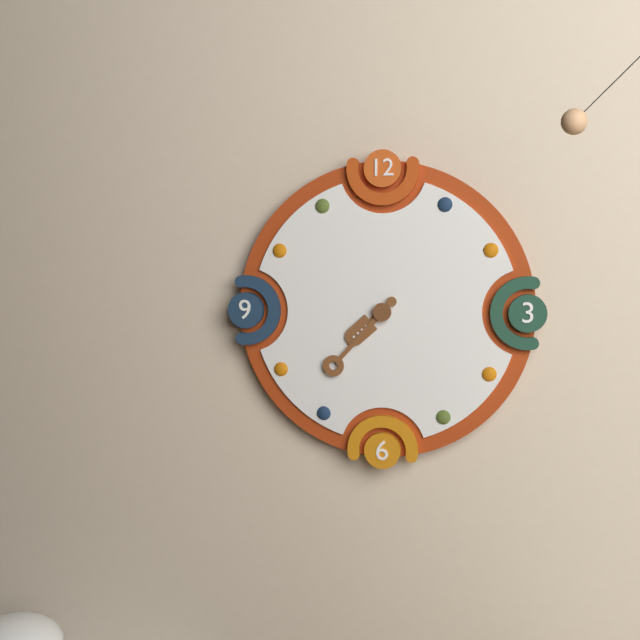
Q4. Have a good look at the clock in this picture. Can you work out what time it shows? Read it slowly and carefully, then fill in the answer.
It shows 7:37
